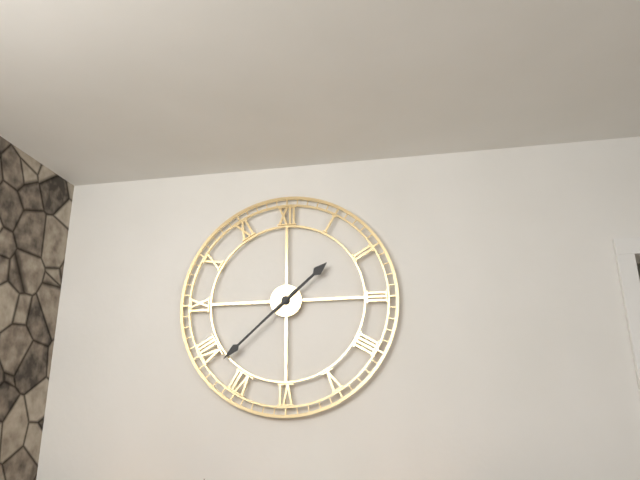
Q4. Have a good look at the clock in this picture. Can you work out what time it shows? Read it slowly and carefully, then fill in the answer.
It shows 1:38
